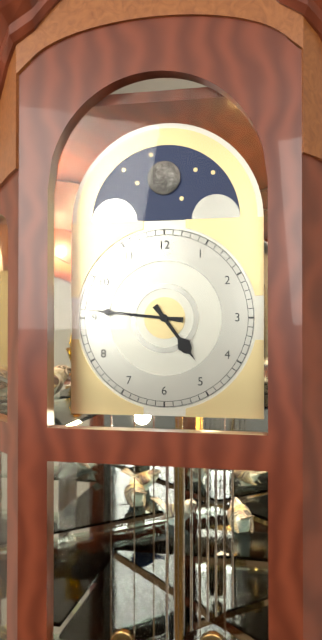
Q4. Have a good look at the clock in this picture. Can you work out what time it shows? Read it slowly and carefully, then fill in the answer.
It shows 4:46
